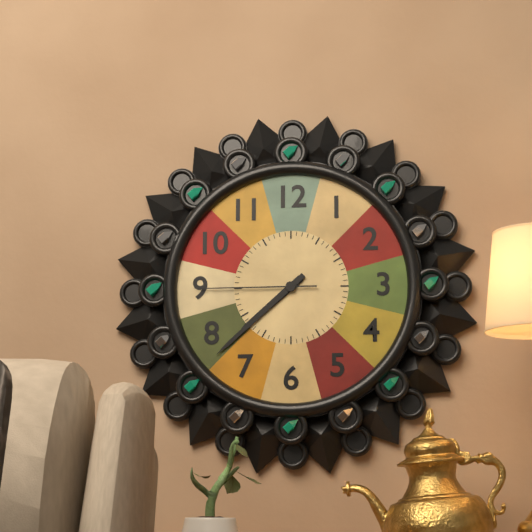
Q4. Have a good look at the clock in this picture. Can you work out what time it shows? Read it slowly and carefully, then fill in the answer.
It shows 7:38:45
